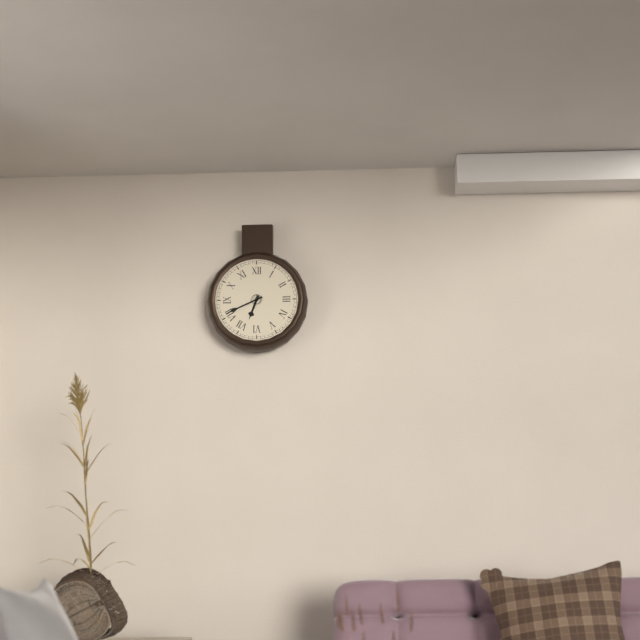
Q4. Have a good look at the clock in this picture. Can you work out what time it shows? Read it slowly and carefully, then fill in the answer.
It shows 6:41
